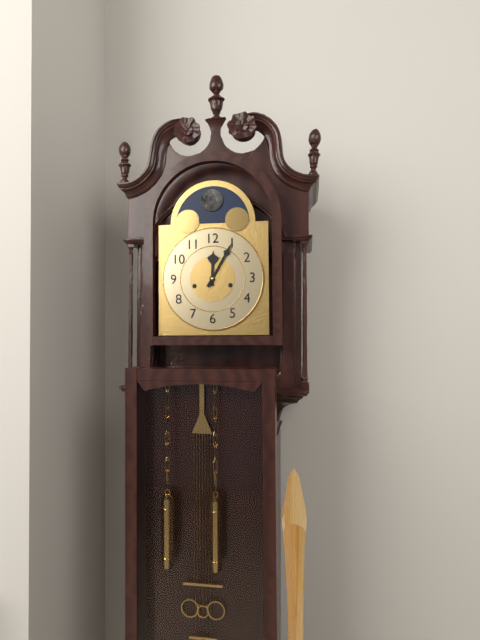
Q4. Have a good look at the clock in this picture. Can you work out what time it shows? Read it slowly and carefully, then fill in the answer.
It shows 12:05
